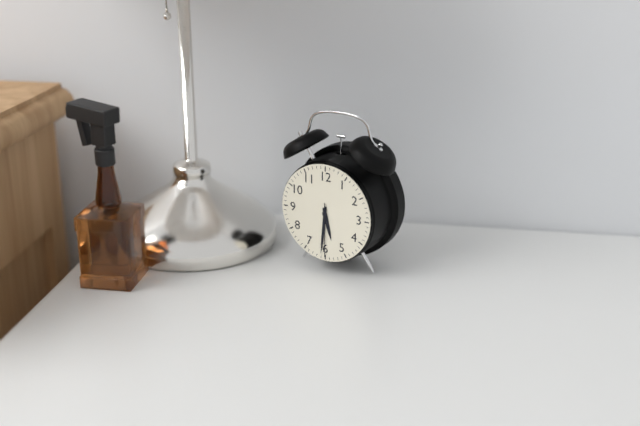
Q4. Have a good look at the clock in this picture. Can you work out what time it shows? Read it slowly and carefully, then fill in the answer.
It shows 5:31:30
